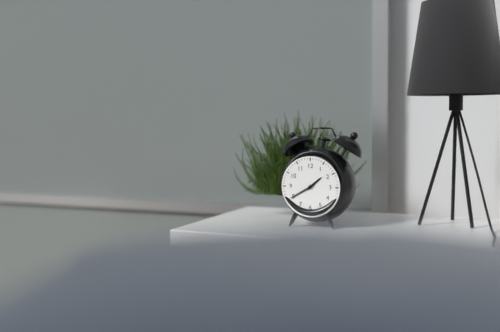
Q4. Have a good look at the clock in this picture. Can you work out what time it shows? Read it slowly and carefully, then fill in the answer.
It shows 1:40
